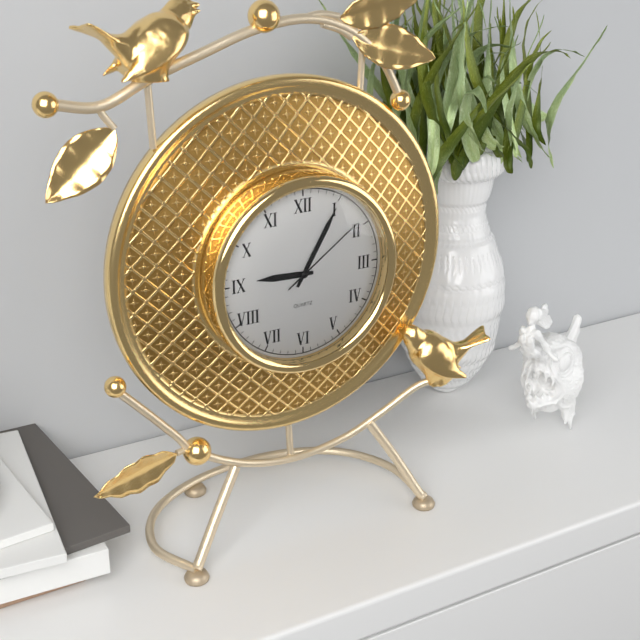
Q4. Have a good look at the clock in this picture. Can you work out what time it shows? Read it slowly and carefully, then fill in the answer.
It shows 9:05:09
